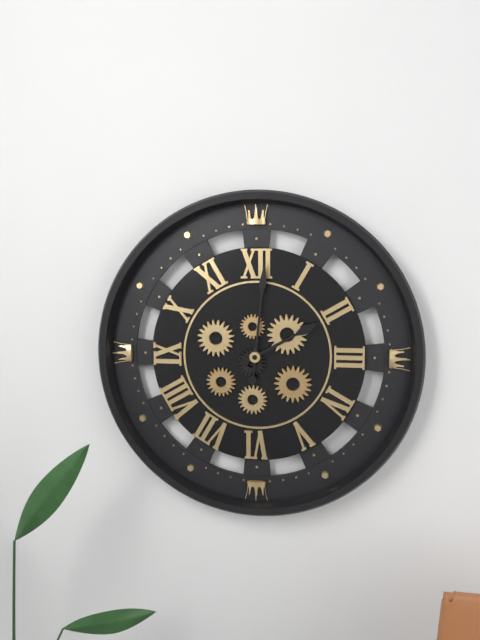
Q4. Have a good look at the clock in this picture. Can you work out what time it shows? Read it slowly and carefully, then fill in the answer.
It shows 2:01
